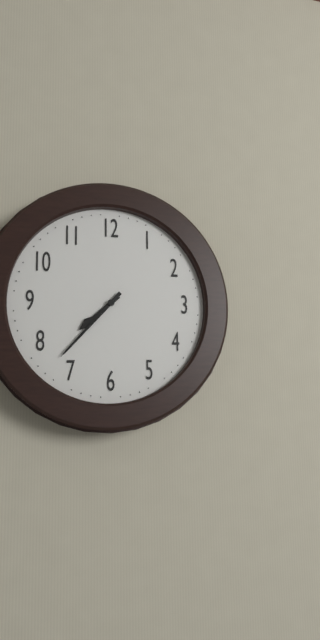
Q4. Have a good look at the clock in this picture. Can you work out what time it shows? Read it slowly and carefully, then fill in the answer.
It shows 7:37
